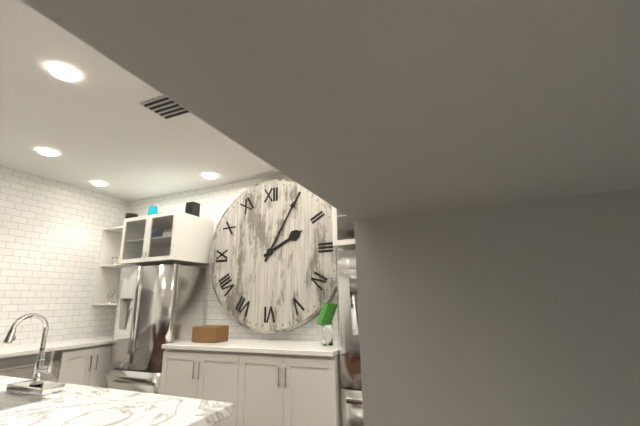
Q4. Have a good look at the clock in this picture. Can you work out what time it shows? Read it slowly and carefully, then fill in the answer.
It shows 2:05
